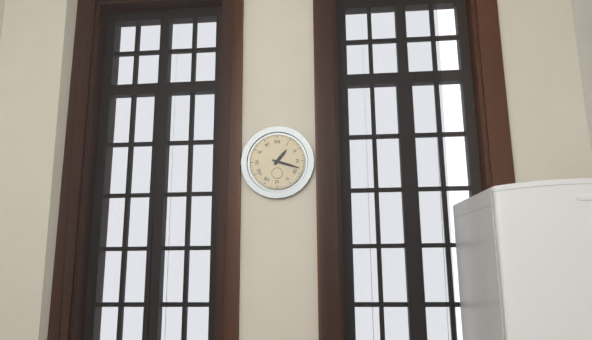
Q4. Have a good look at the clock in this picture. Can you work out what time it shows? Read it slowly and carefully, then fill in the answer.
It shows 1:18
